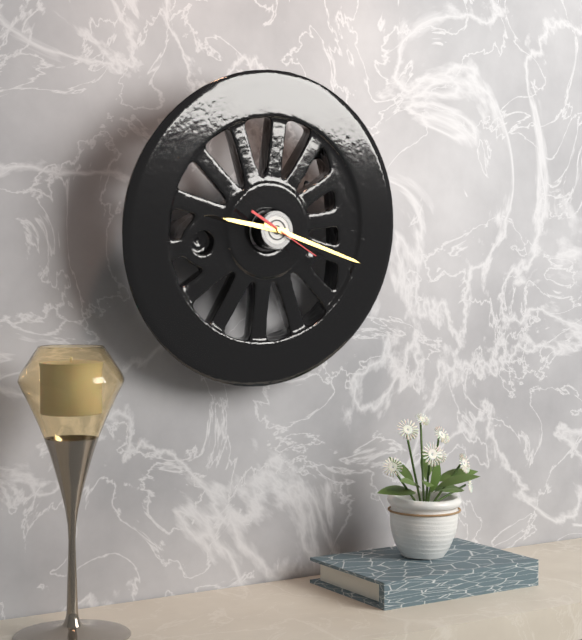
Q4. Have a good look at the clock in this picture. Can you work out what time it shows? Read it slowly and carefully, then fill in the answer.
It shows 9:18:20
